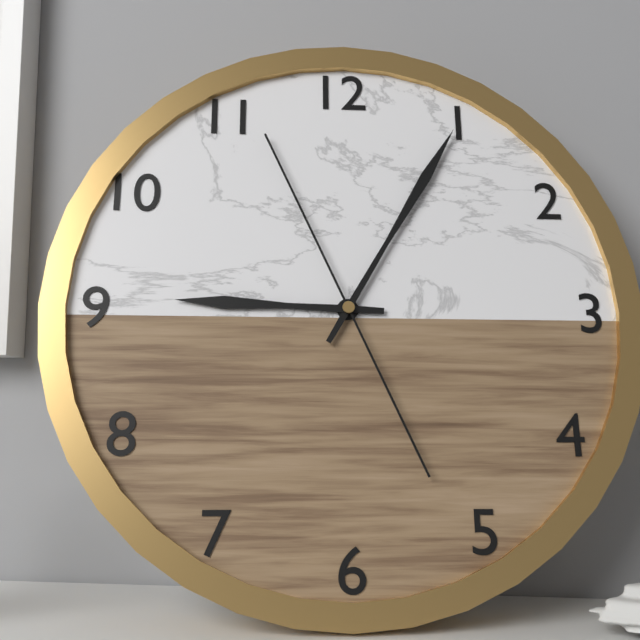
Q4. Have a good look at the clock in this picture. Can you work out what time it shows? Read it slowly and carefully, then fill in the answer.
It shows 9:05:56
